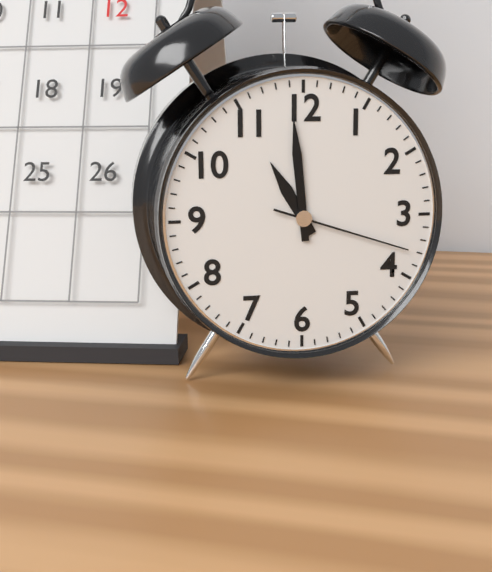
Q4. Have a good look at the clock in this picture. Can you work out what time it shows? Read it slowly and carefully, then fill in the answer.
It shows 10:59:18
